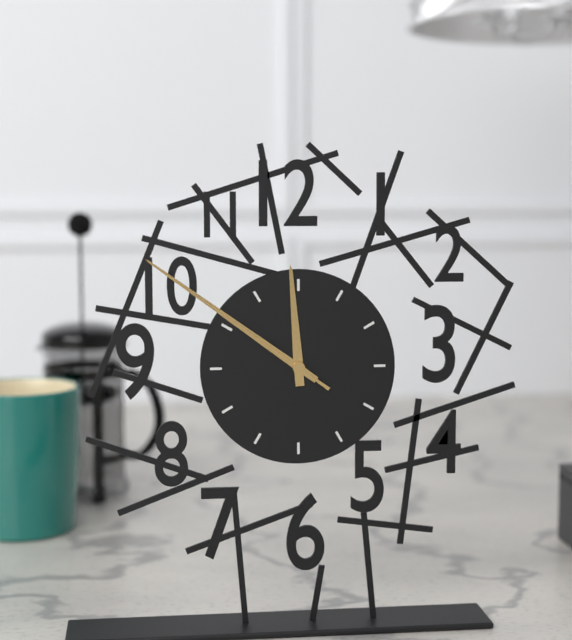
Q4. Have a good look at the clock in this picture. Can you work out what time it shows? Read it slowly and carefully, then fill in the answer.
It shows 11:51:51
